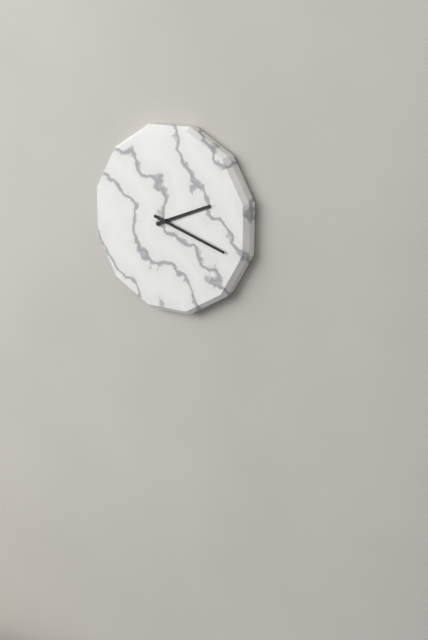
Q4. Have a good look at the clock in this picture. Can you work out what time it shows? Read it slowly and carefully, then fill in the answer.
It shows 2:18
